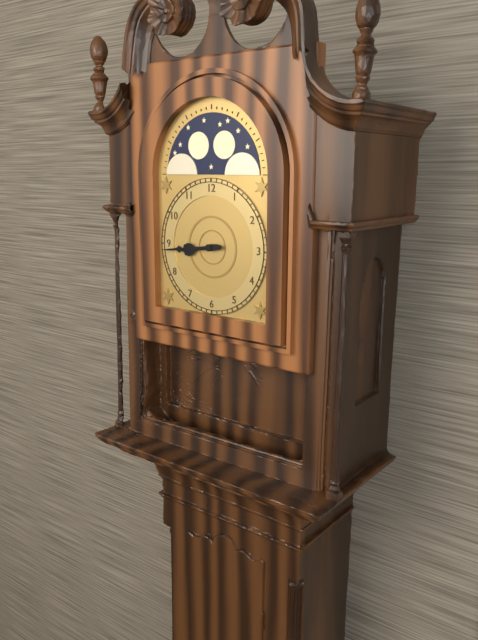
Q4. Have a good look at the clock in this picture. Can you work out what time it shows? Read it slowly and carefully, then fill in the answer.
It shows 8:44
